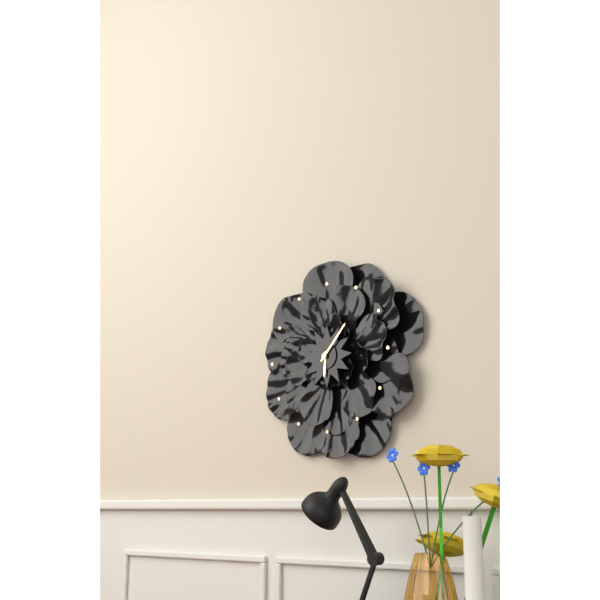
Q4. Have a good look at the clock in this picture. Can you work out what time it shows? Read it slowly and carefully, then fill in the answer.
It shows 6:07
